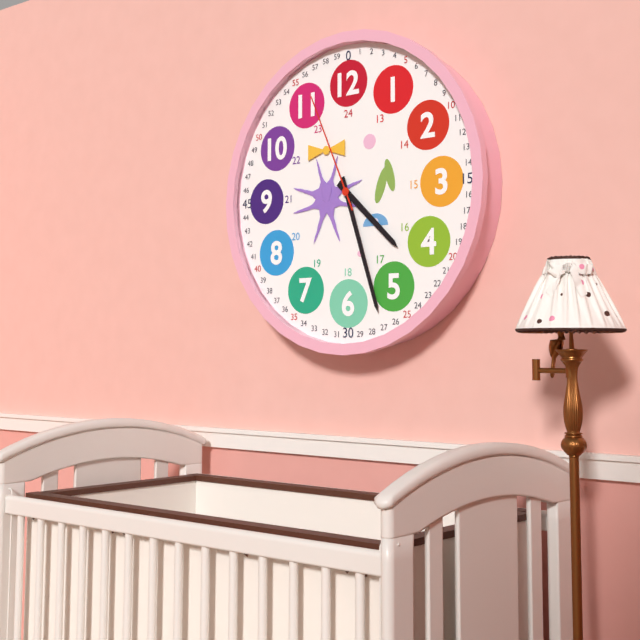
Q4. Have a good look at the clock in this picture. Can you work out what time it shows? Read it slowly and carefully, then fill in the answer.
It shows 4:27:56
